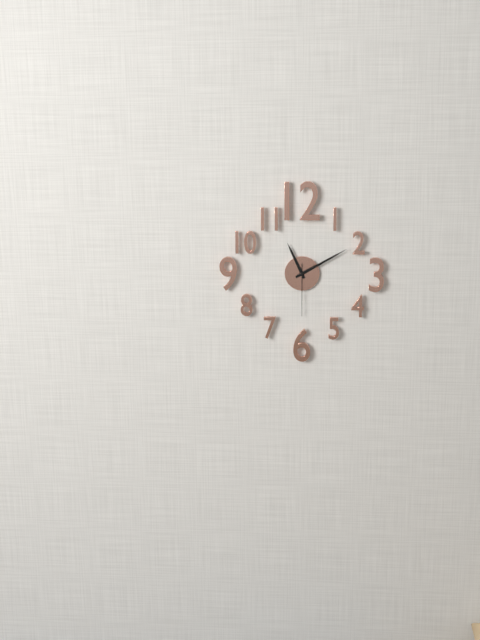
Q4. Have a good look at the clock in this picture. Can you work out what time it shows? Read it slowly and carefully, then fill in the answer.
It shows 11:10:30
